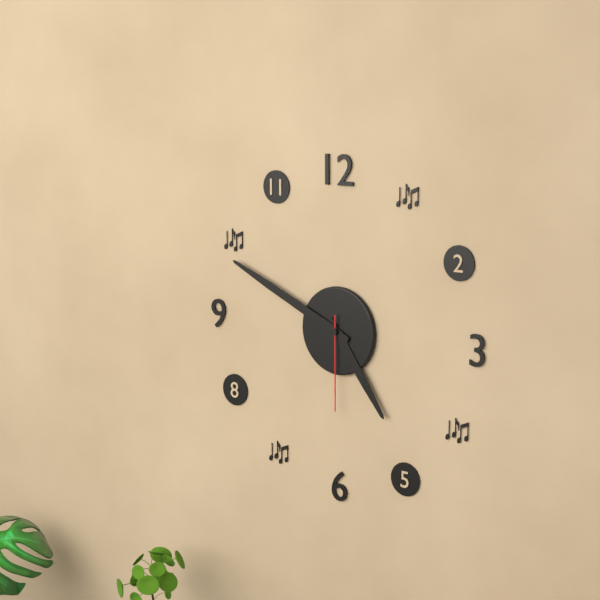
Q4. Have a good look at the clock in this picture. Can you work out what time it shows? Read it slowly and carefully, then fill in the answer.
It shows 4:49:30
